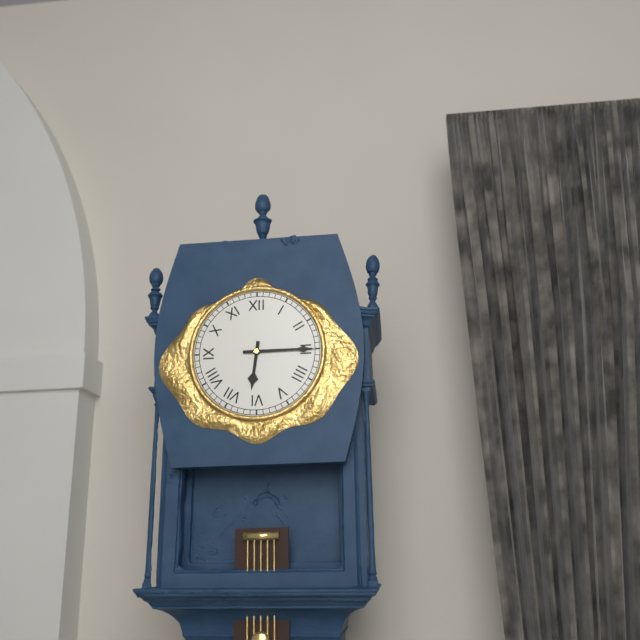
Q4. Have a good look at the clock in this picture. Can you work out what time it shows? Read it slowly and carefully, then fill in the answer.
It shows 6:15
